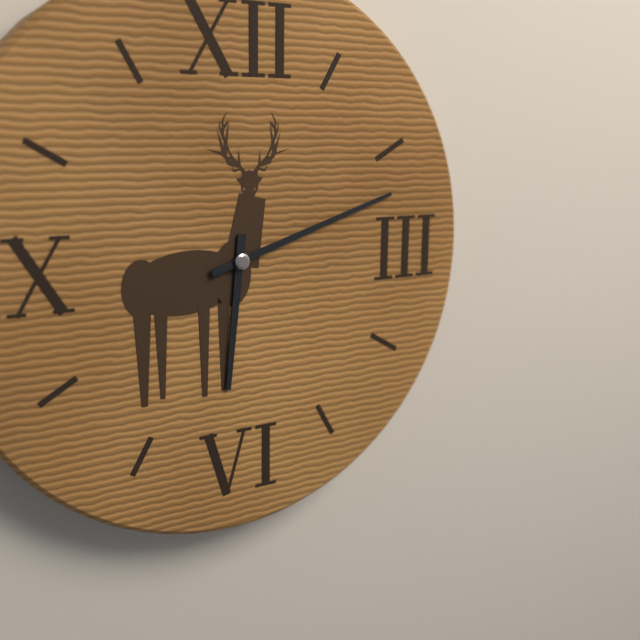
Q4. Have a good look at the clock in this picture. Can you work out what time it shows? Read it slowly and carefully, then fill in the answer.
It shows 6:12
